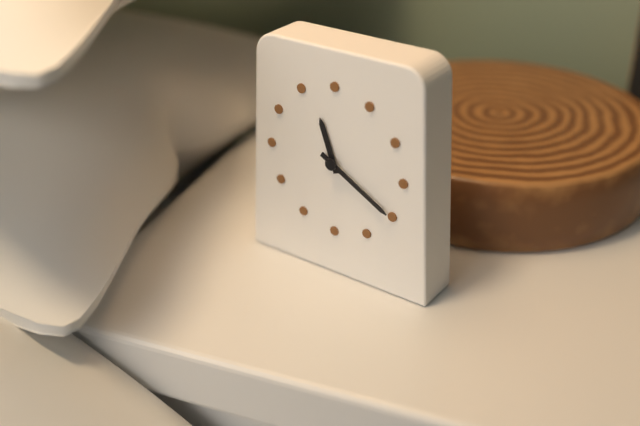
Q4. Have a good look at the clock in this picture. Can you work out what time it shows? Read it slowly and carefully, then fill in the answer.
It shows 11:20
